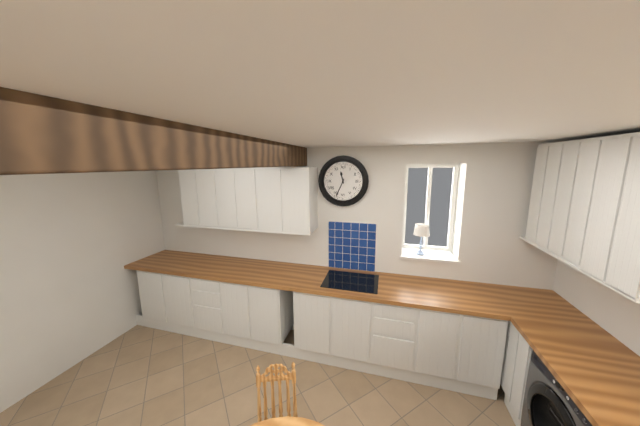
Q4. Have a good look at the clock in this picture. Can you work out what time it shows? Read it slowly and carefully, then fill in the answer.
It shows 11:34
